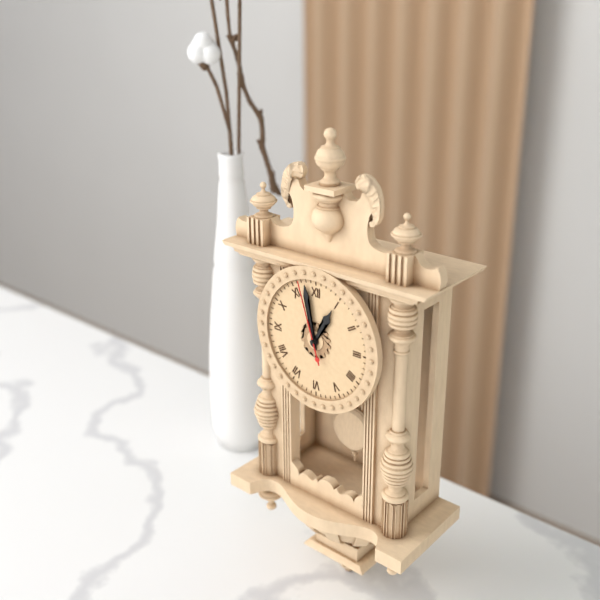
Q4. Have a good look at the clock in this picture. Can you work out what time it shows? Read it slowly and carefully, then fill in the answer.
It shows 12:58:57
